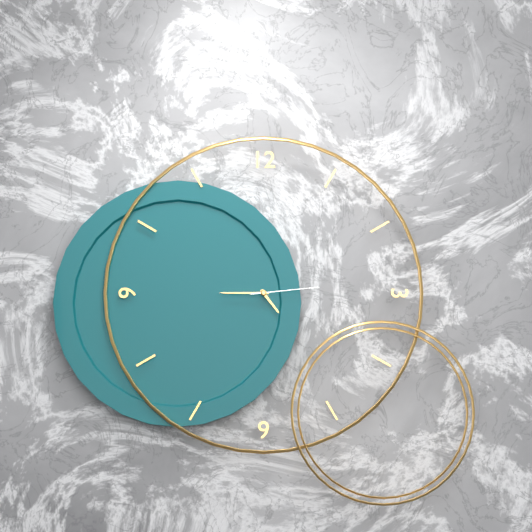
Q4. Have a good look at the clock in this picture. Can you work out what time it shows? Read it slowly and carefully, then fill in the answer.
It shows 4:45:14
